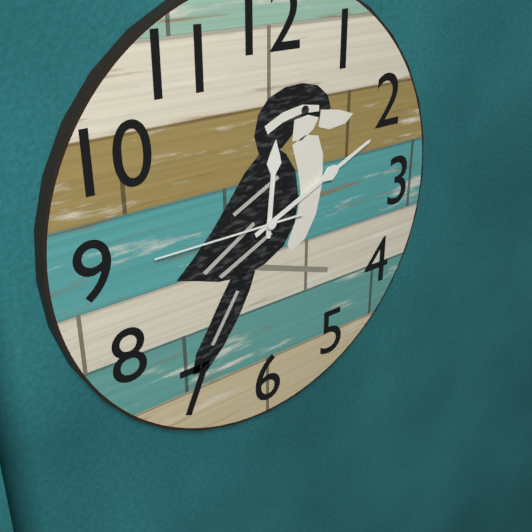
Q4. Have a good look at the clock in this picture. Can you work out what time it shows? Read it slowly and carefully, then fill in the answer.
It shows 12:11:45
